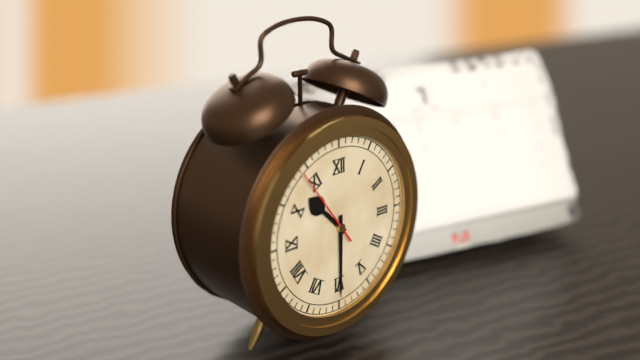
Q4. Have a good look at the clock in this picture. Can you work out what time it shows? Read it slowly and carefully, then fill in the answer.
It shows 10:30:54
